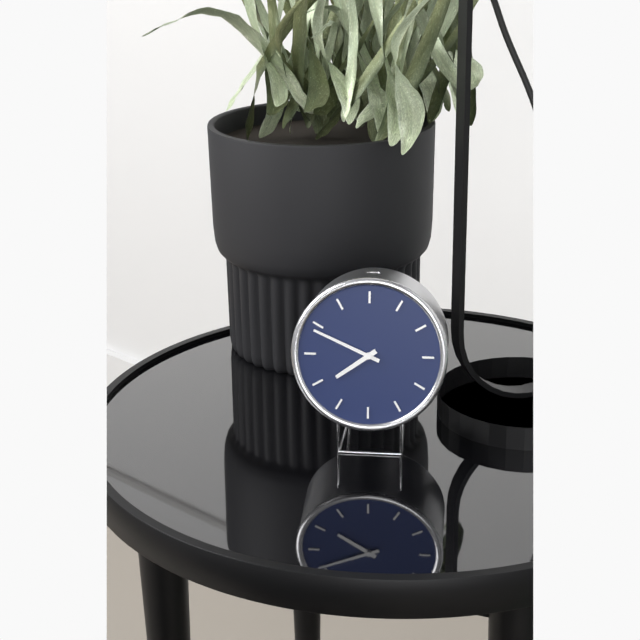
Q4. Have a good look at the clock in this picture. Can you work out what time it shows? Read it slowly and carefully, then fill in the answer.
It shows 7:49
